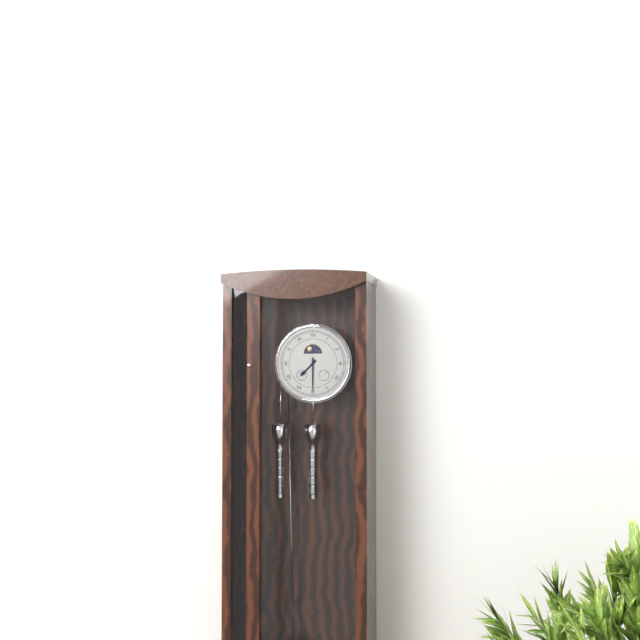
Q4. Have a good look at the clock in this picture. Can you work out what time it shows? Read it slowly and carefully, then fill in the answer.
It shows 7:30
